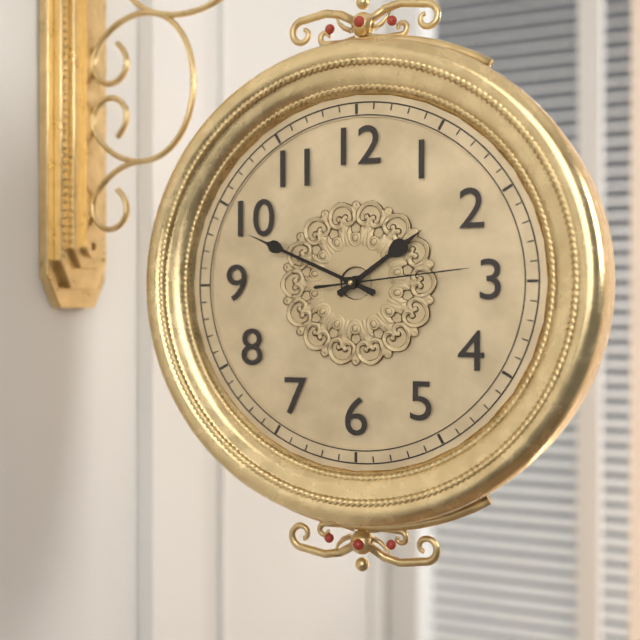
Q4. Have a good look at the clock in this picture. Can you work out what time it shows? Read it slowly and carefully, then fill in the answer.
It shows 1:49:14
